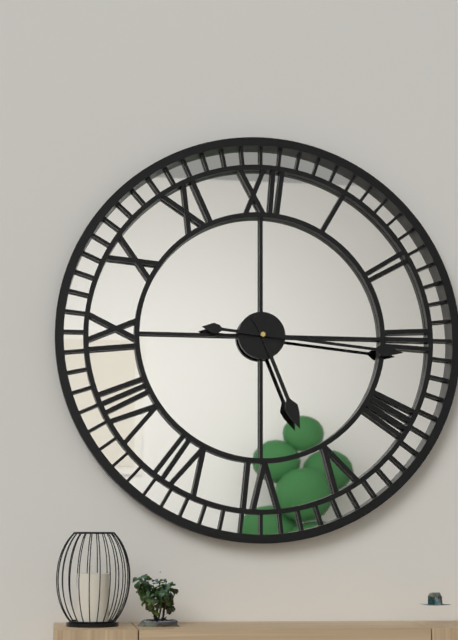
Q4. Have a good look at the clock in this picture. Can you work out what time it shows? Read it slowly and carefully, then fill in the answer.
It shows 5:16
